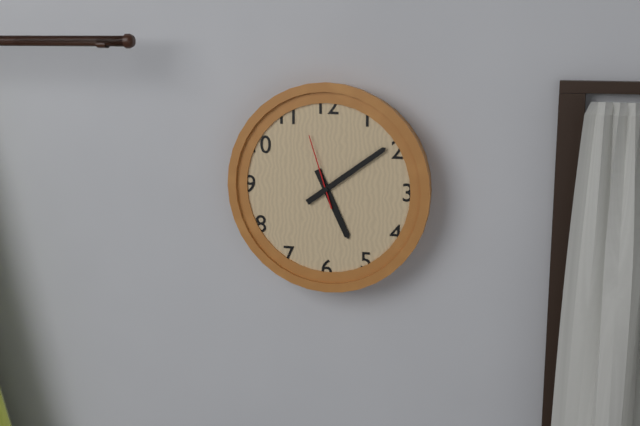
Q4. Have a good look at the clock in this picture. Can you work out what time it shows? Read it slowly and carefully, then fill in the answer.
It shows 5:09:57
